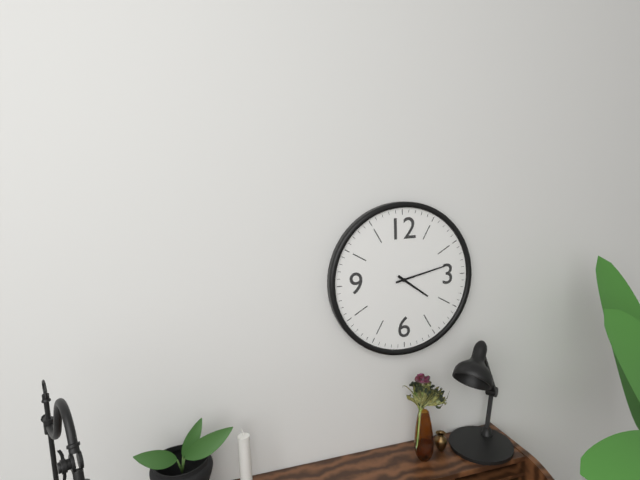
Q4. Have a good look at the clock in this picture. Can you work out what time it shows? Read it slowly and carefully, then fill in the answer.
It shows 4:13
